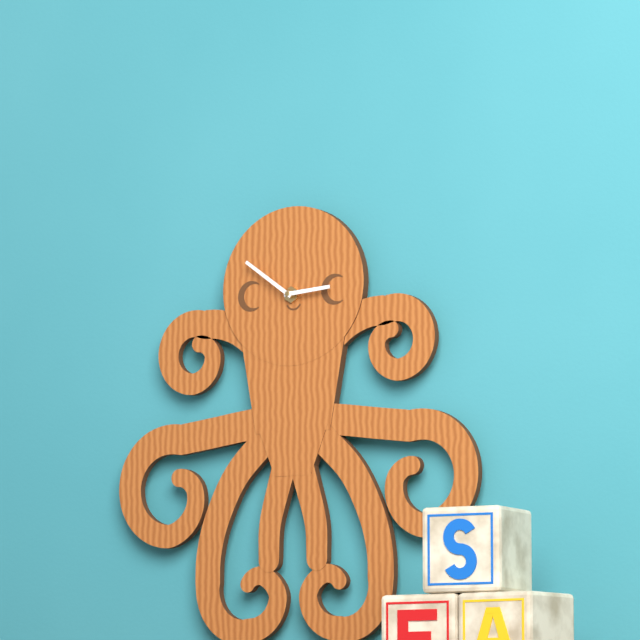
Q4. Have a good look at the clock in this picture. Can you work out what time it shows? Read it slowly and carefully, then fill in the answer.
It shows 2:51
